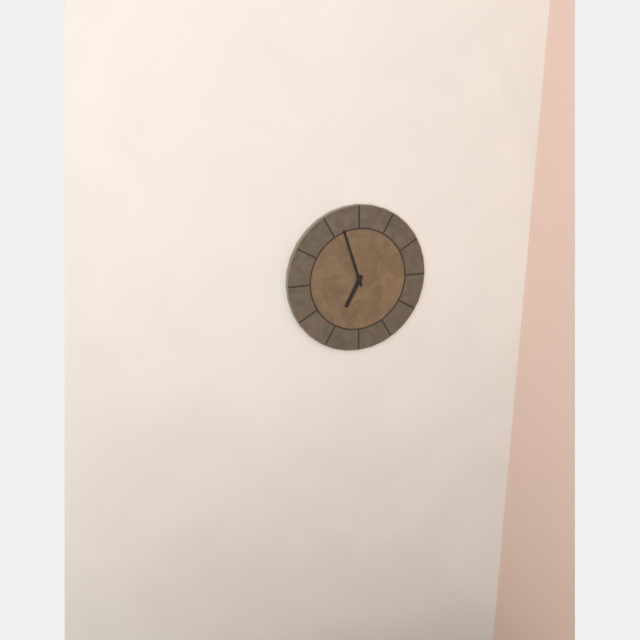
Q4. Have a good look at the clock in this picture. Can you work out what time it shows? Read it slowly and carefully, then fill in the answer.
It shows 6:57
